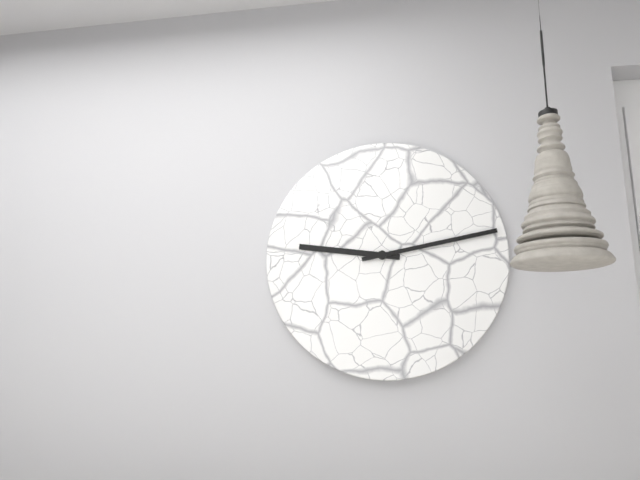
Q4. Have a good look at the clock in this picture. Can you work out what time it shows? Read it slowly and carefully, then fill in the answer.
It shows 9:13
